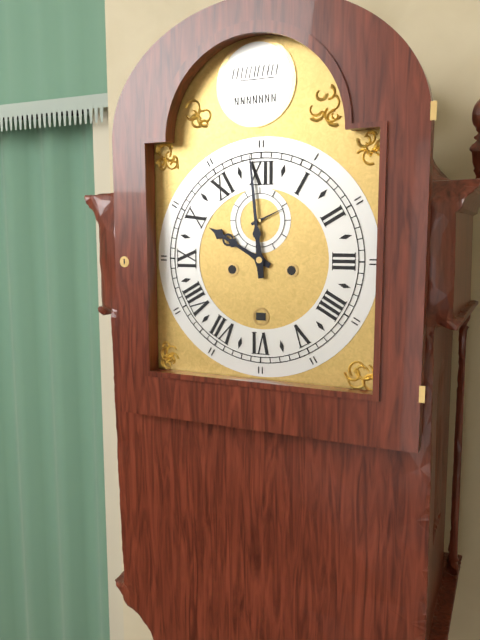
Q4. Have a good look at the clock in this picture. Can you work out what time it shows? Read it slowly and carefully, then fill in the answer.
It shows 9:59
